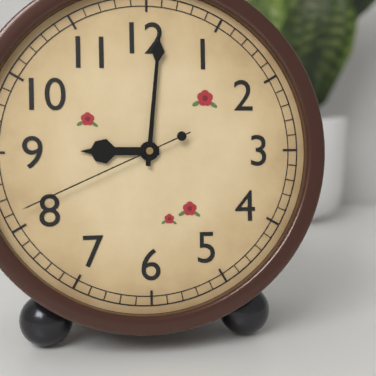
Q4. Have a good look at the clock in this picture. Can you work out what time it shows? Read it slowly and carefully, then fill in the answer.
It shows 9:01:41
